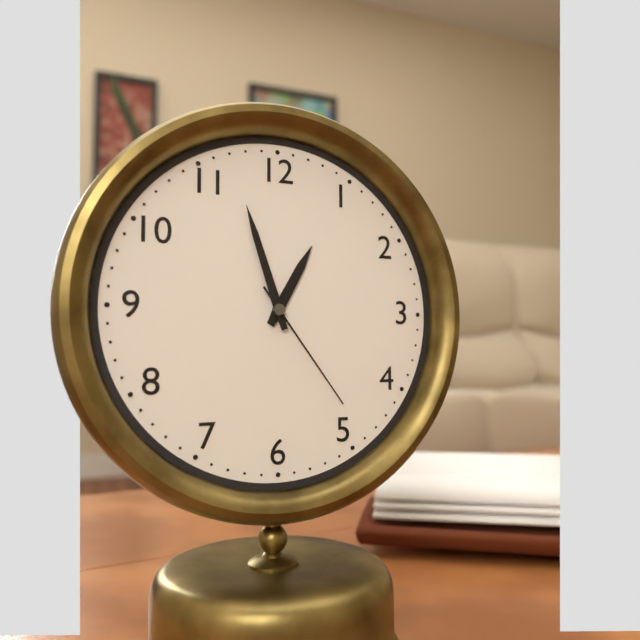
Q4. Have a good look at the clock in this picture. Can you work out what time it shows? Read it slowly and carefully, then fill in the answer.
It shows 12:57:24
